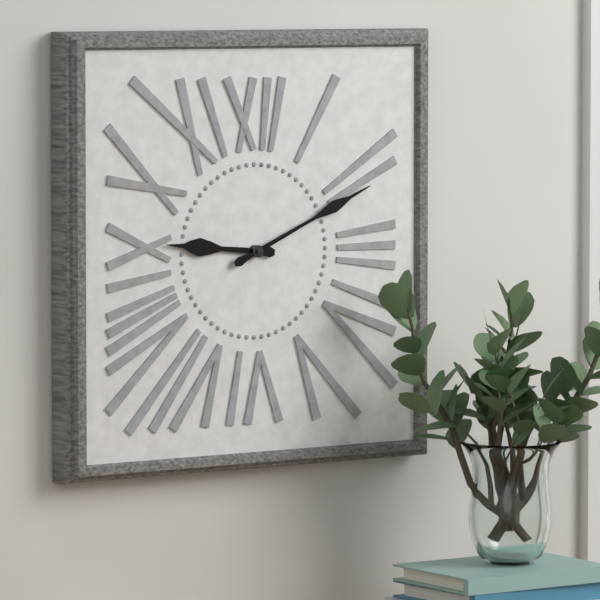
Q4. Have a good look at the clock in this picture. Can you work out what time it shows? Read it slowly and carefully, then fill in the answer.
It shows 9:11
